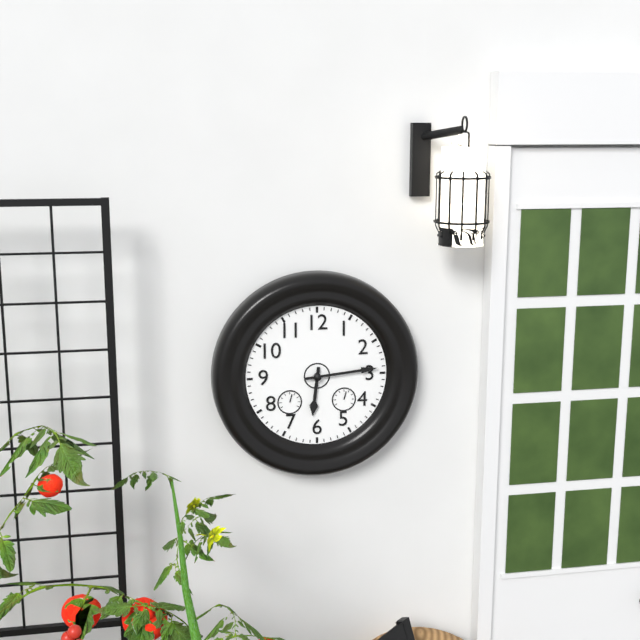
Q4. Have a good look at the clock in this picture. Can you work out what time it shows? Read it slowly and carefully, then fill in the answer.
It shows 6:14
